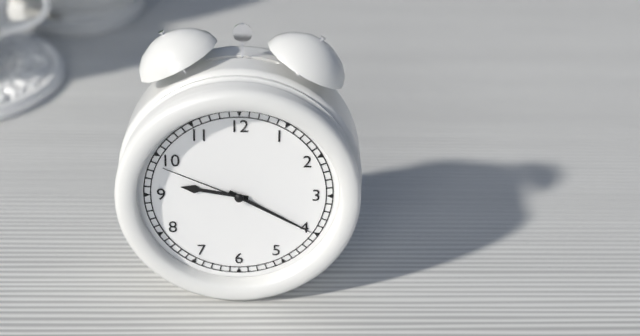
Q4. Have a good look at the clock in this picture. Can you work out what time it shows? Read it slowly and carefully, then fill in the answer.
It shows 9:20:49
